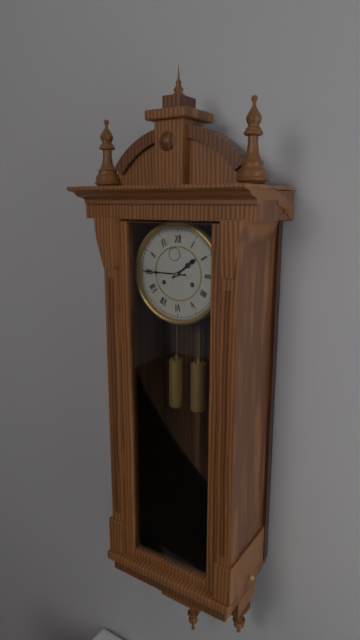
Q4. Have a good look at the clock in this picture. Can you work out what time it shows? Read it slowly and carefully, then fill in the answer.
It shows 1:45
